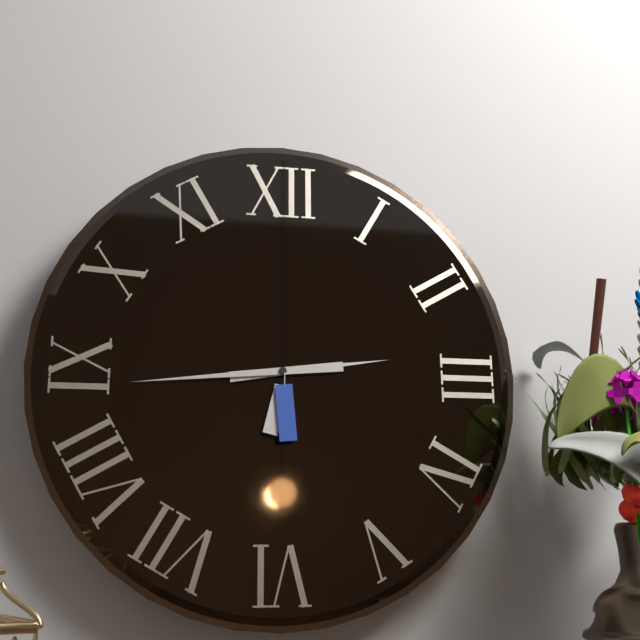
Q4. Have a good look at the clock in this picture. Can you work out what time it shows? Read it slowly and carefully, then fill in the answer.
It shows 2:44
